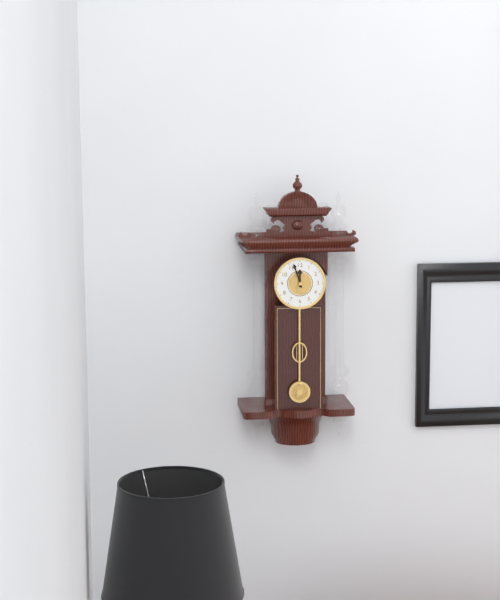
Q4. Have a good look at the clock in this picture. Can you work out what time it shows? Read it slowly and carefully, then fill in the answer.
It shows 11:57
